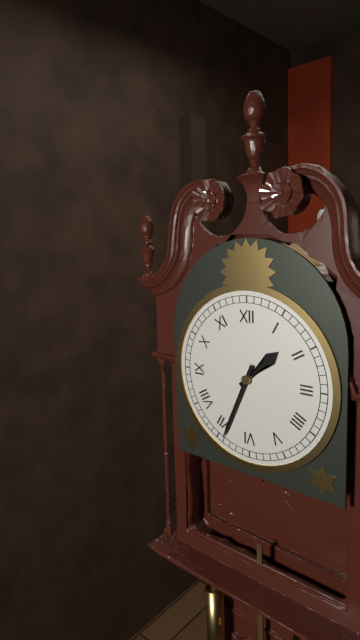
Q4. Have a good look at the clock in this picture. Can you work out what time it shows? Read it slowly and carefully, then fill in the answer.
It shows 1:34
